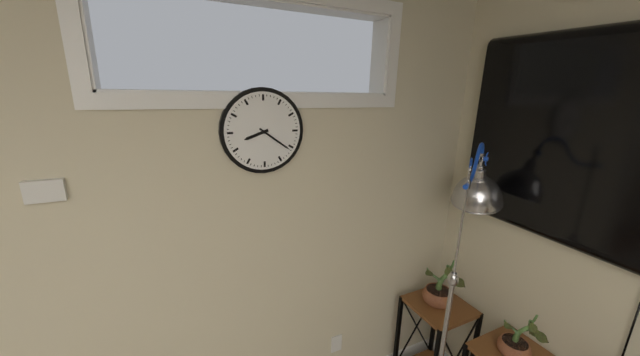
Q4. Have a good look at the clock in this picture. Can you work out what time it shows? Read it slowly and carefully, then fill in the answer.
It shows 8:21
